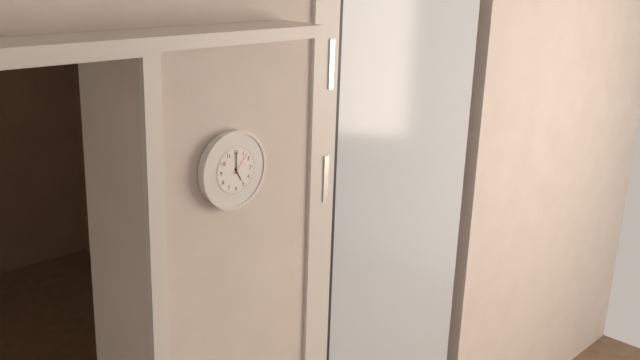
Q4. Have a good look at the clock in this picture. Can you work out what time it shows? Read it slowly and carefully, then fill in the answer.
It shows 5:00
